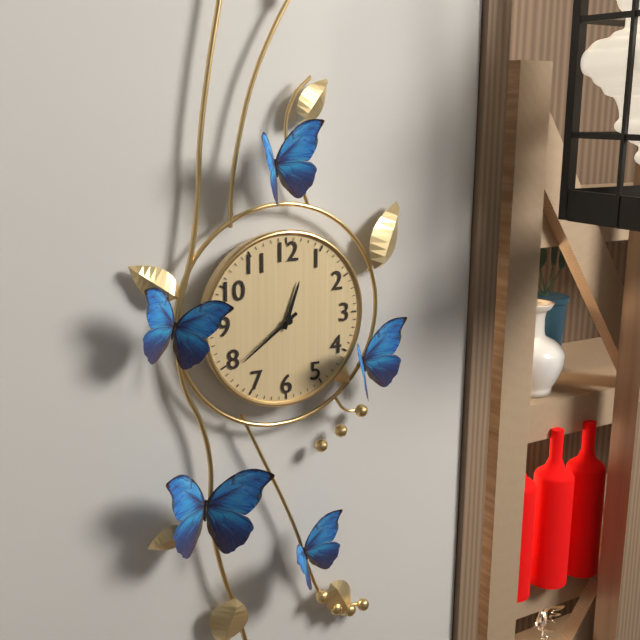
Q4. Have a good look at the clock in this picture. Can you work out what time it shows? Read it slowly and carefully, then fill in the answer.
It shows 12:39
